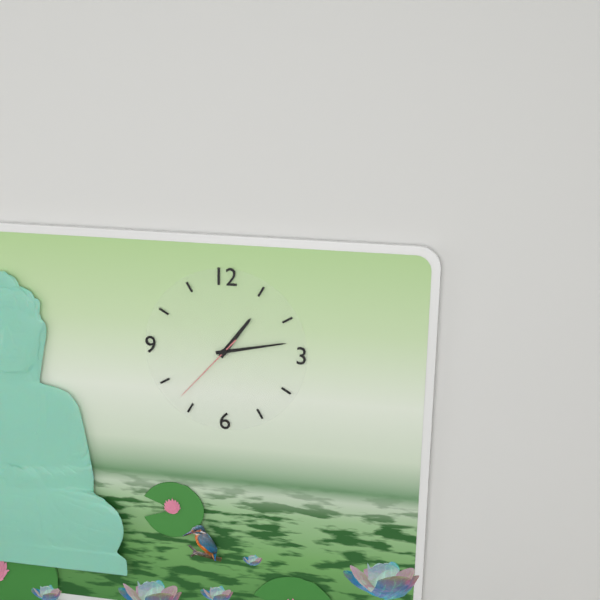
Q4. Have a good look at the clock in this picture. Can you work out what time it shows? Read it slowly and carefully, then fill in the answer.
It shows 1:13:37
